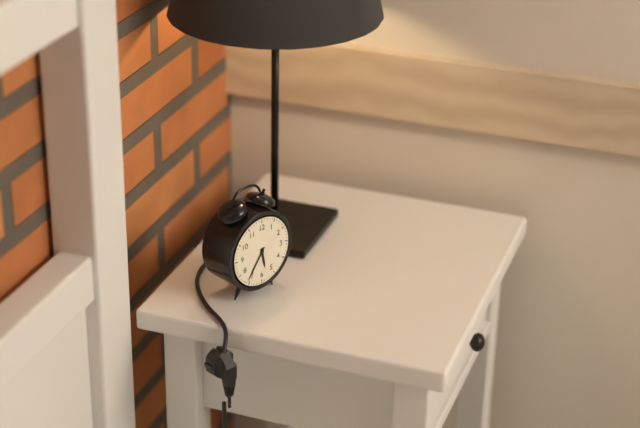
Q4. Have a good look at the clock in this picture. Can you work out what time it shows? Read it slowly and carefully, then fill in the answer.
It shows 5:36
